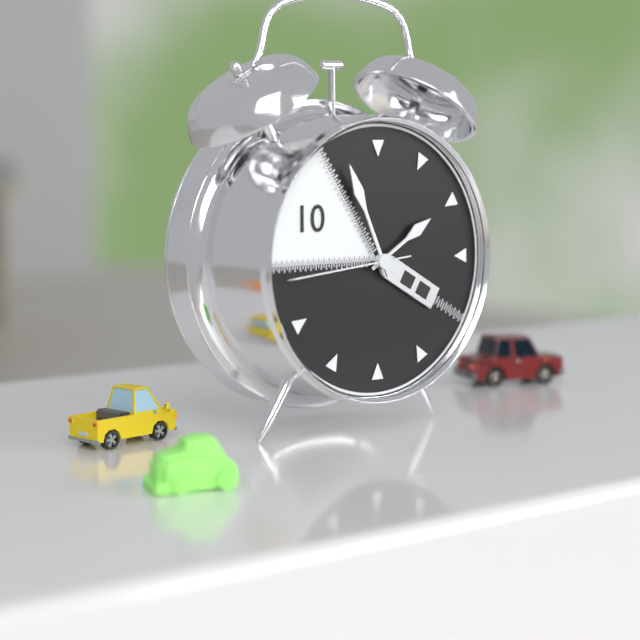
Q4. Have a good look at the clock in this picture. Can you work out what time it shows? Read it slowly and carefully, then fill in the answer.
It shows 1:56:44
